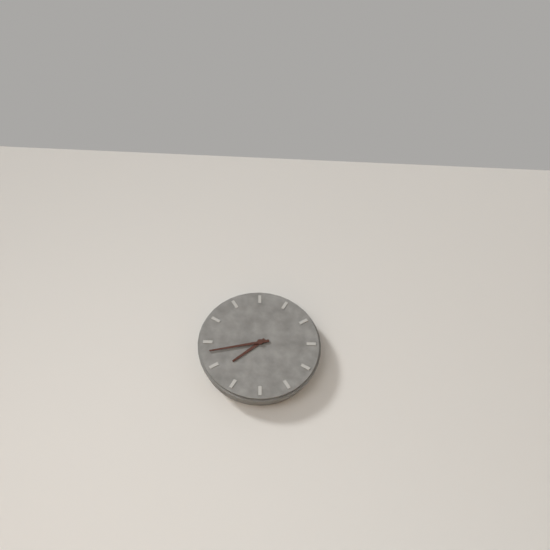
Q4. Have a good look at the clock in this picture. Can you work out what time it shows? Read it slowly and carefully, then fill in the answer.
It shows 7:43
